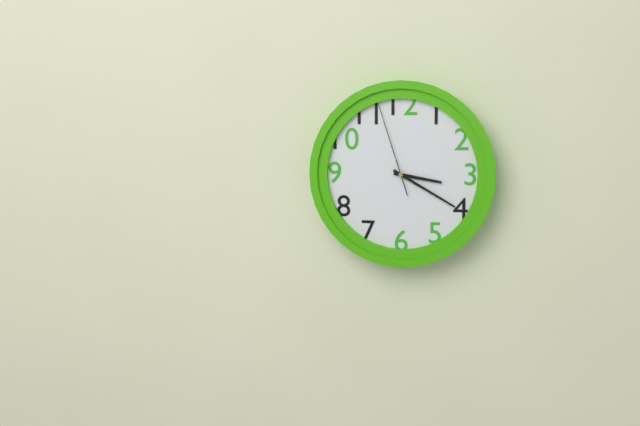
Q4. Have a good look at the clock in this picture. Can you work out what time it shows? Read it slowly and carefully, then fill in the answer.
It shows 3:20:57
